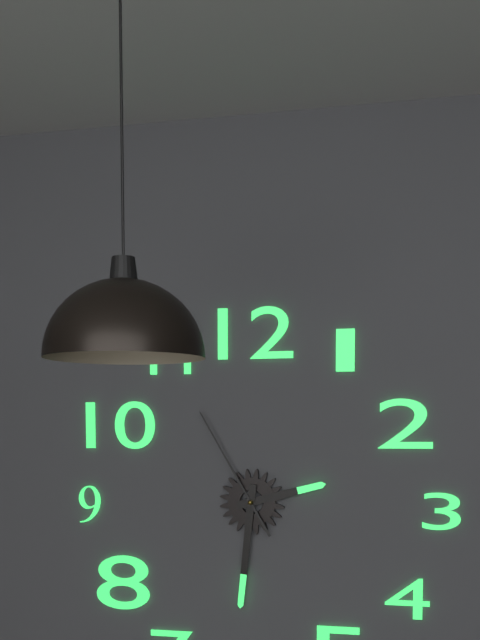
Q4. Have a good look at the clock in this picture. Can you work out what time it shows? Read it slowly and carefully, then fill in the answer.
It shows 2:31:55
